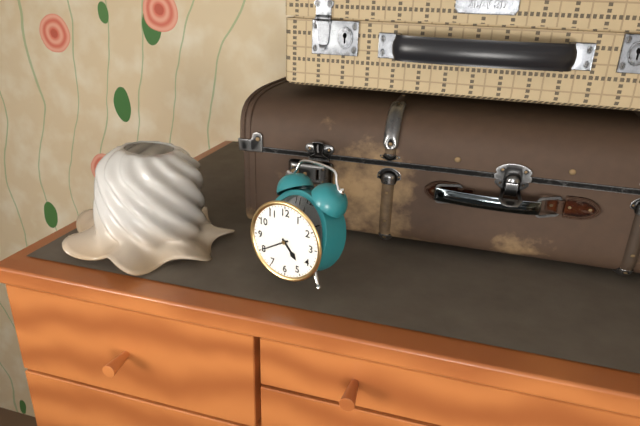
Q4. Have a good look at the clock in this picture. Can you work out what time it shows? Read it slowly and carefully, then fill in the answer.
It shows 4:40
